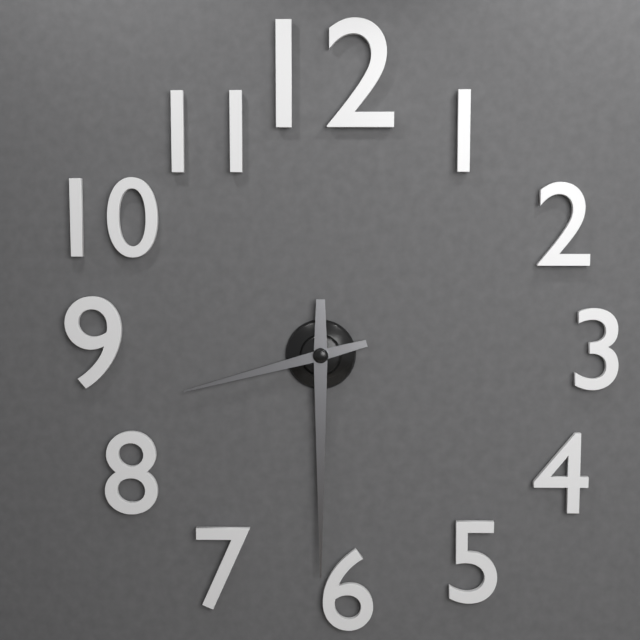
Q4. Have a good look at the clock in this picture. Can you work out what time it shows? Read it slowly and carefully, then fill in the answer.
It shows 8:30
